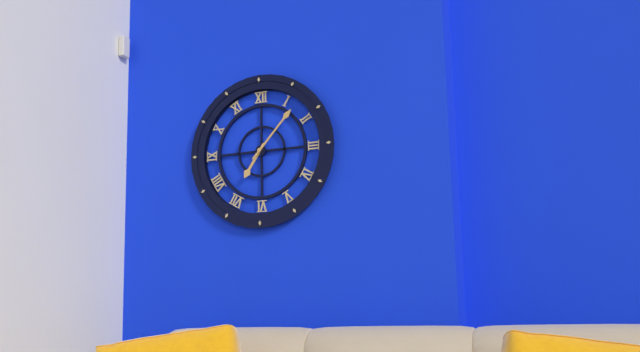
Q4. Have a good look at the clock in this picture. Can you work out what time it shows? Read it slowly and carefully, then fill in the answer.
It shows 7:07
